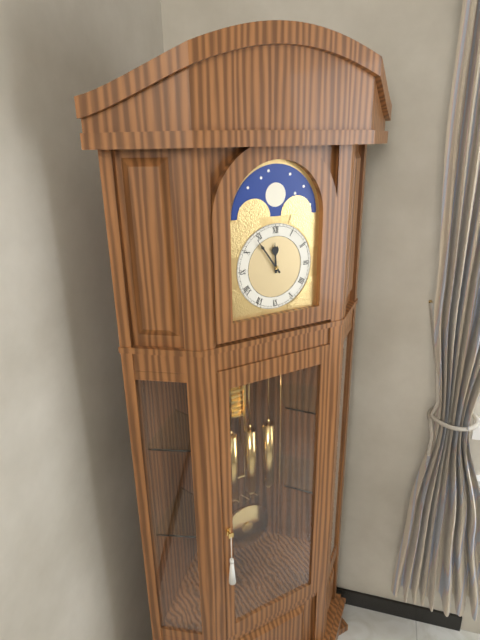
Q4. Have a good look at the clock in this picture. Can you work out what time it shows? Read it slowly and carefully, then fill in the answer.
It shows 11:54
